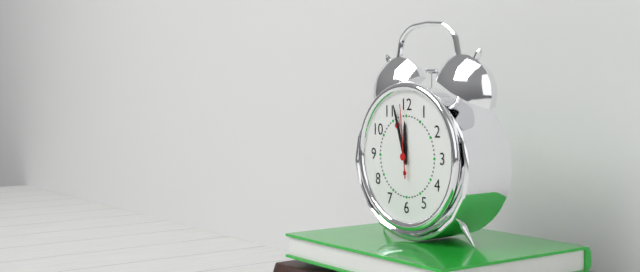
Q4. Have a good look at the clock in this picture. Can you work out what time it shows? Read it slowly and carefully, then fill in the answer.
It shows 11:57:59
